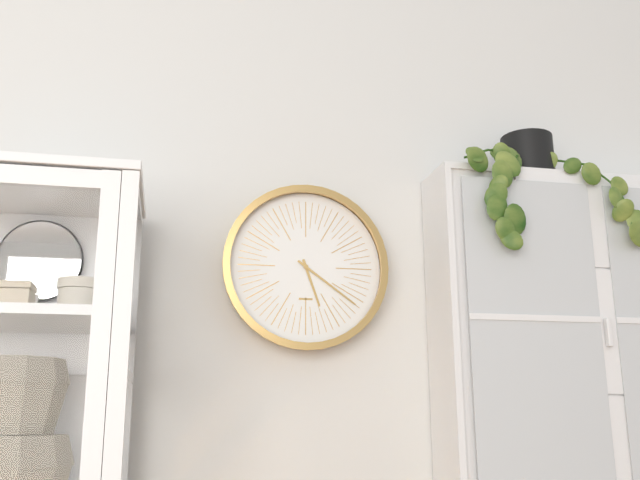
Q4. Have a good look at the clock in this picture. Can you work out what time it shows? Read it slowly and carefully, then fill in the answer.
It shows 5:21
